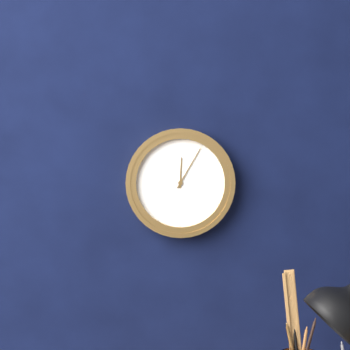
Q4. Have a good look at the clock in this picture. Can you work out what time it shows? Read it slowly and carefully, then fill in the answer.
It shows 12:05
